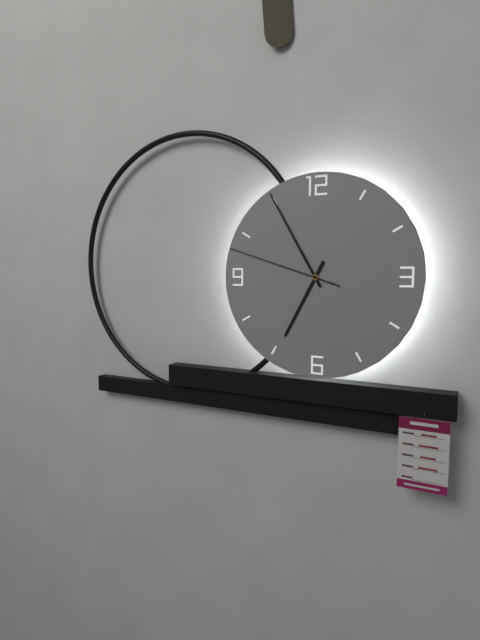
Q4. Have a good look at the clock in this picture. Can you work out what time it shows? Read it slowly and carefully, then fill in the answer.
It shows 6:55:48
